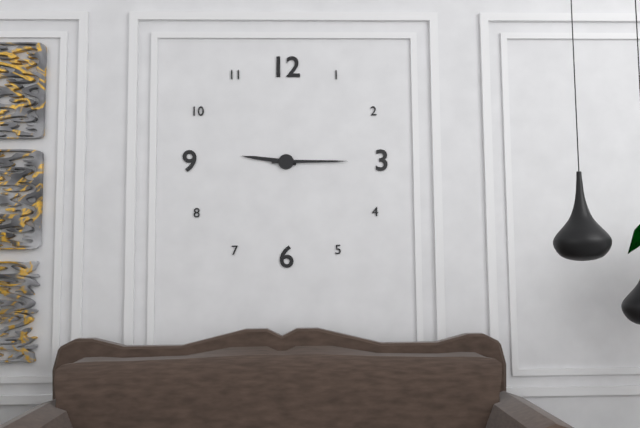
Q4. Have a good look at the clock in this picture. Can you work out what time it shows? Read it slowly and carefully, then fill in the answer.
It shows 9:15
